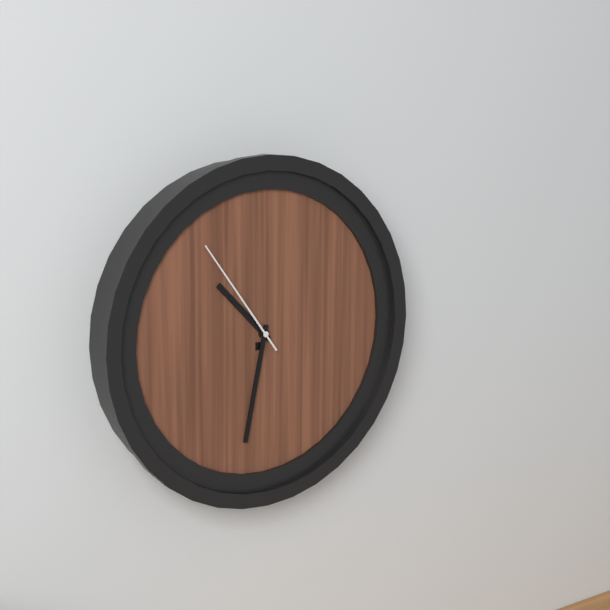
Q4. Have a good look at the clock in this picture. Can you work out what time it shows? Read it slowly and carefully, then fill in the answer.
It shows 10:32:54
